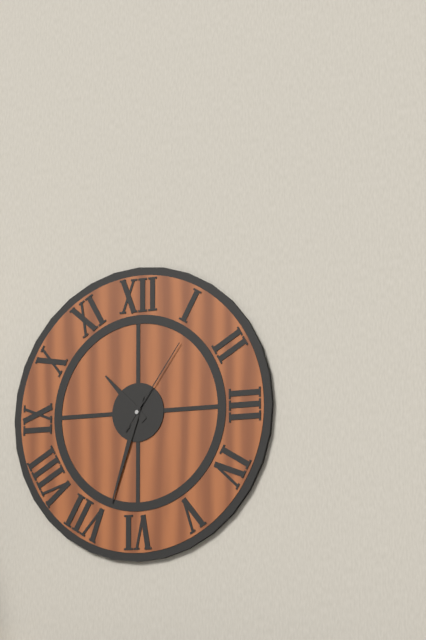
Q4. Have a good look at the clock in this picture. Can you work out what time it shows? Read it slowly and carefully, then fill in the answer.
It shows 10:33:06
